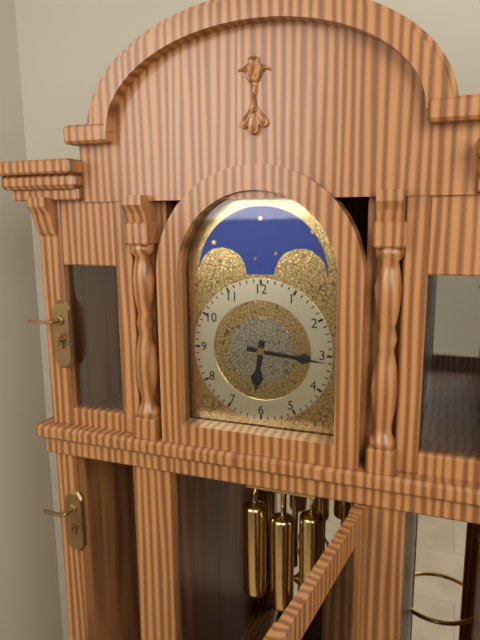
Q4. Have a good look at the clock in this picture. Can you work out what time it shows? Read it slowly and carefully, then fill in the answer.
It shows 6:16
